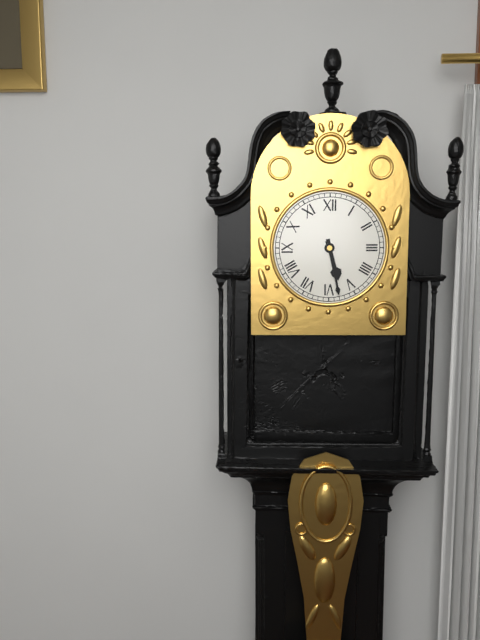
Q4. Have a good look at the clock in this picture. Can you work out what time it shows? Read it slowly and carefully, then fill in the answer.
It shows 5:28
